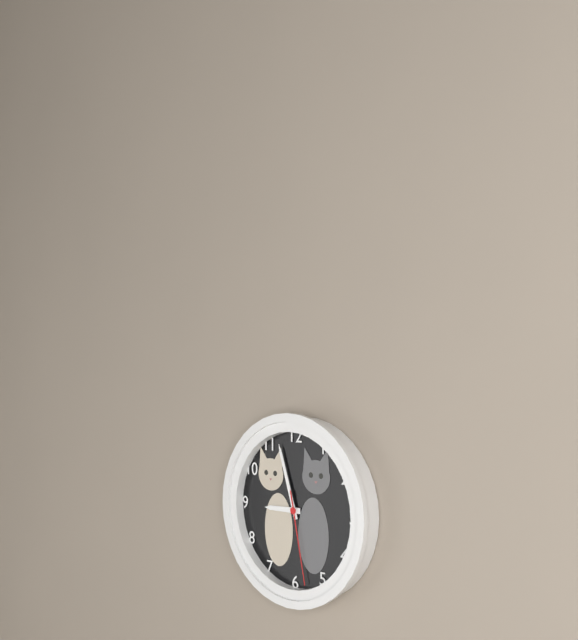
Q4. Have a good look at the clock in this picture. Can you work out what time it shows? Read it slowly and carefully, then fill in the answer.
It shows 8:57:28
